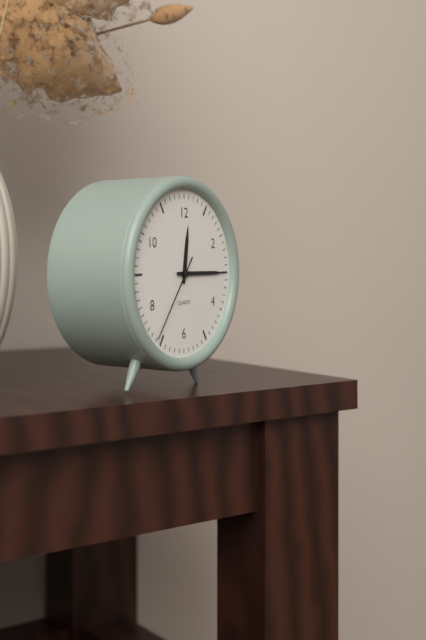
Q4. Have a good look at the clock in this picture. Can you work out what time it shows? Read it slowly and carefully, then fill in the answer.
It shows 12:15:36
